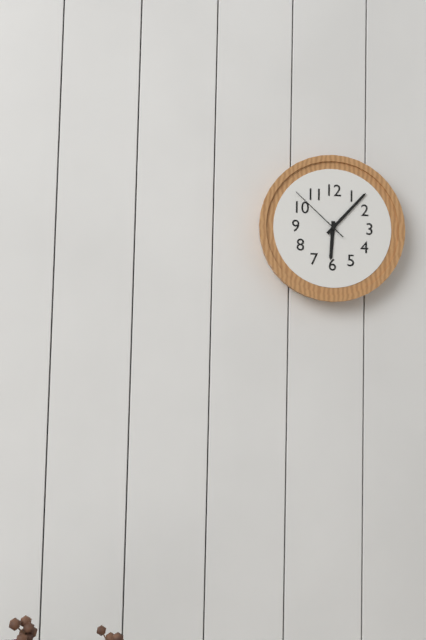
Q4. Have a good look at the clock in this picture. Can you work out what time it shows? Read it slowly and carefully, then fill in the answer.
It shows 6:07:52
